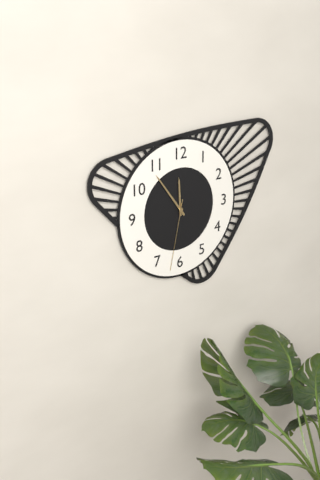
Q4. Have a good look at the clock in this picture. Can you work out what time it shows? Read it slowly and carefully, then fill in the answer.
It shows 11:54:32
